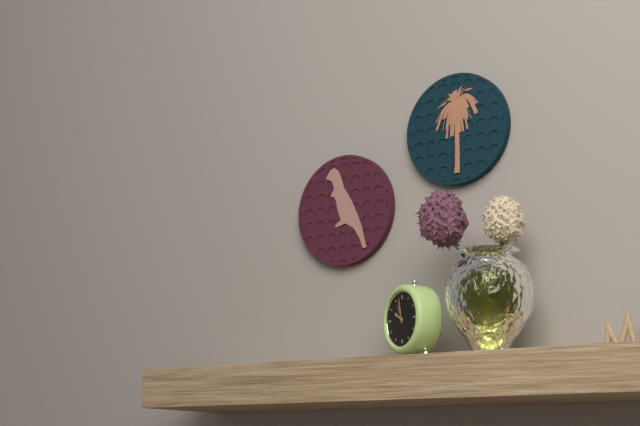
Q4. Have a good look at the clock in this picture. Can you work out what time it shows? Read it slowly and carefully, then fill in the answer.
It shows 9:58
